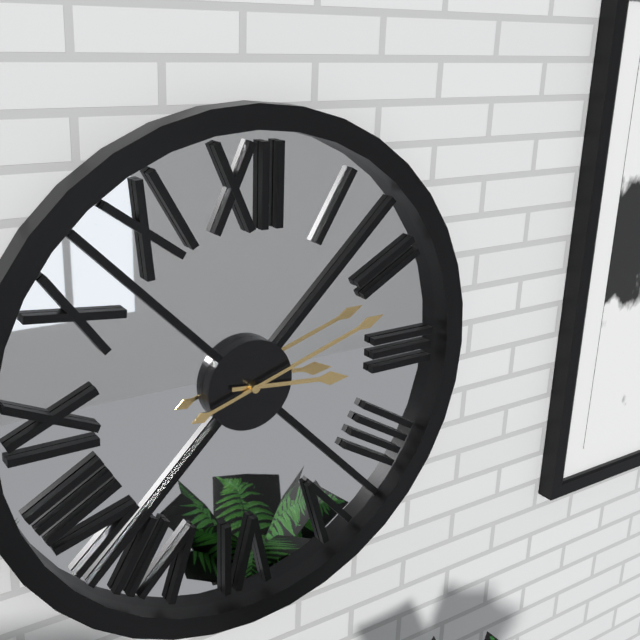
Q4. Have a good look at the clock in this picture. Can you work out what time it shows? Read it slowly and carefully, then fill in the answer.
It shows 3:12
